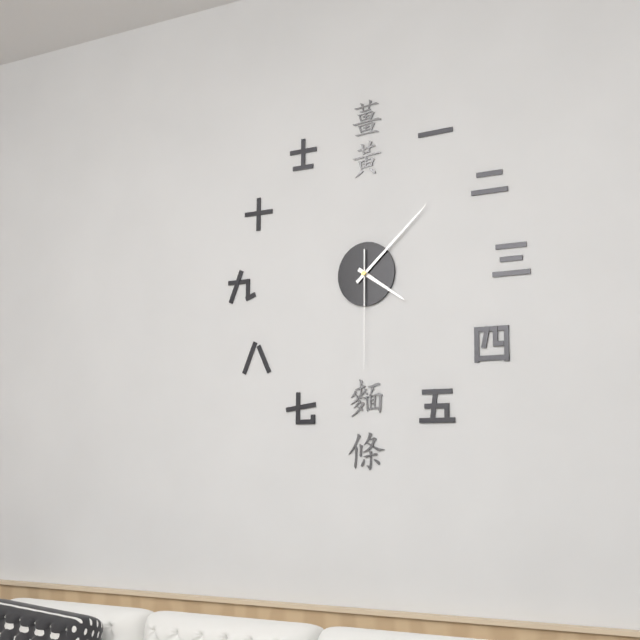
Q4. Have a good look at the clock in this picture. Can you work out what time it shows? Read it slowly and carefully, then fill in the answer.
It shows 4:08:30
